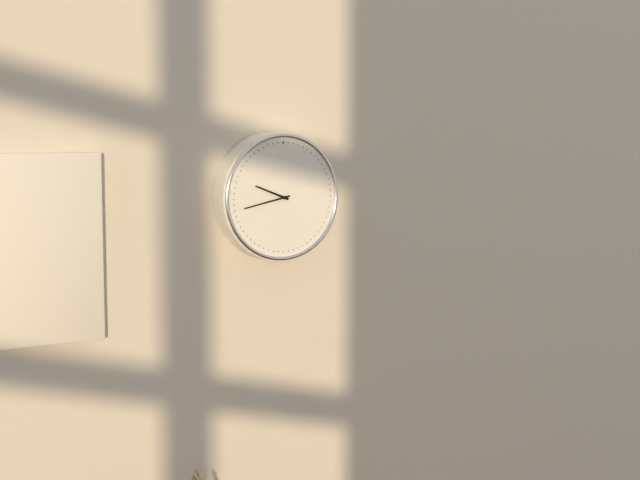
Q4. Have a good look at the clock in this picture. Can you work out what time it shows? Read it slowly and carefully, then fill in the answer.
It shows 9:43
